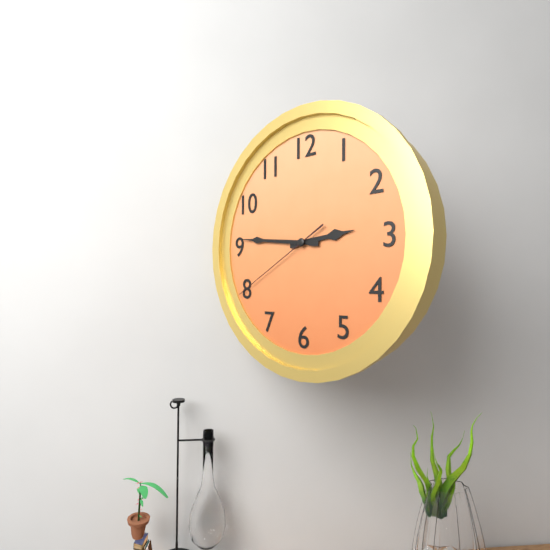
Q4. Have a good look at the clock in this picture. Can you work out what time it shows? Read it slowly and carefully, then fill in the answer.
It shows 2:46:40
